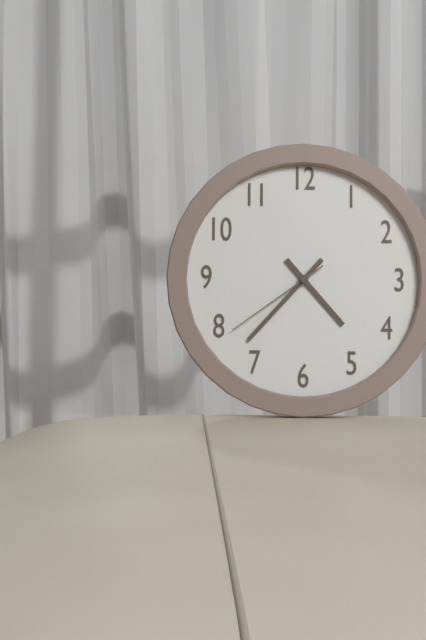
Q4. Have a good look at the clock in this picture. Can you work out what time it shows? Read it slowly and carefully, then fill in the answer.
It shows 4:37:39
